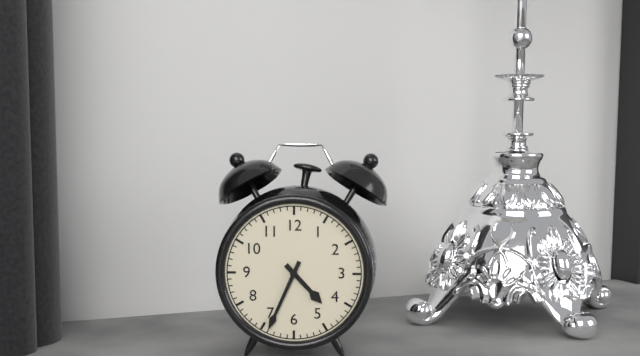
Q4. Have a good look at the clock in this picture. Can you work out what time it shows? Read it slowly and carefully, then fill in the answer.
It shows 4:34
